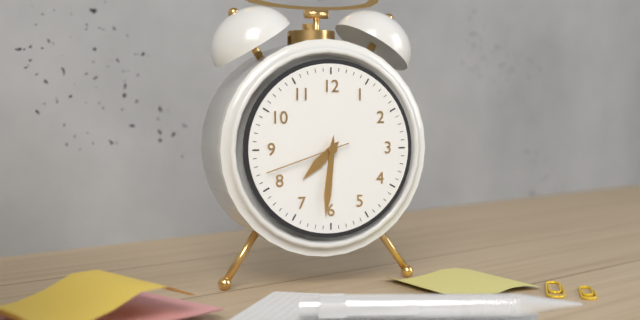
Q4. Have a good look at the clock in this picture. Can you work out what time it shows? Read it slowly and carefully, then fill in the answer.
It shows 7:31:42
